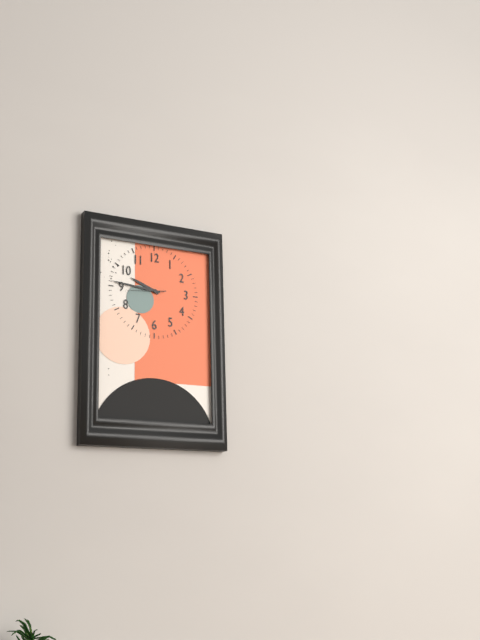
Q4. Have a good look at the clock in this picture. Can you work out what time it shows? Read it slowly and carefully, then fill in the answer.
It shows 9:46
